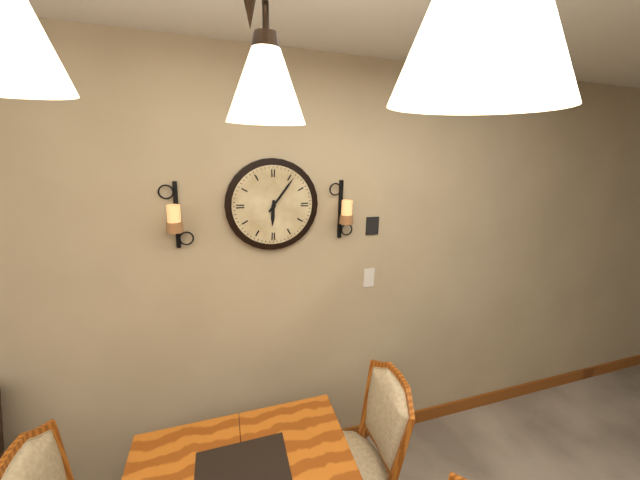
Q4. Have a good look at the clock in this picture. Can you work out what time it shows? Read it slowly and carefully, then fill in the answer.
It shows 6:06
